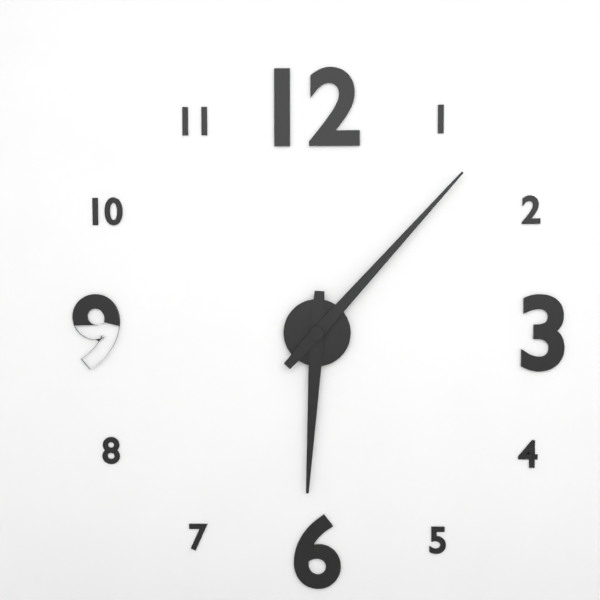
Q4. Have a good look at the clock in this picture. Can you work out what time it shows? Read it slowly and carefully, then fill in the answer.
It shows 6:07
